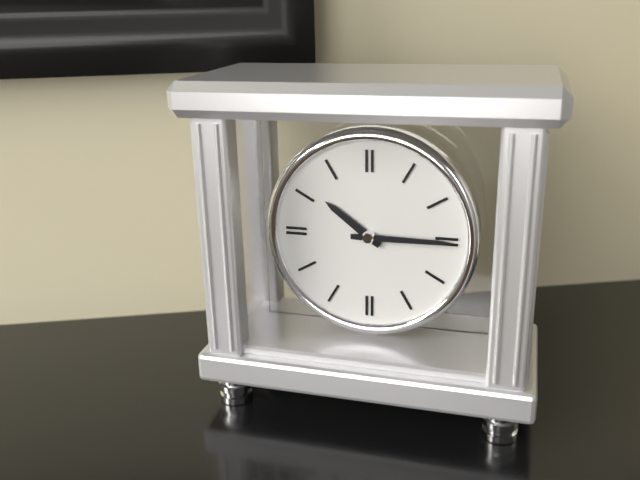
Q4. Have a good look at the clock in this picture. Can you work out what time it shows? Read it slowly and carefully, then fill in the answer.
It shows 10:15
